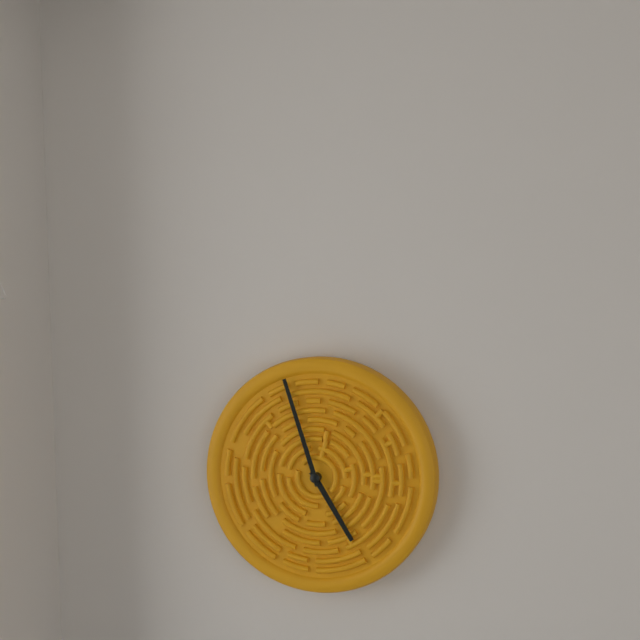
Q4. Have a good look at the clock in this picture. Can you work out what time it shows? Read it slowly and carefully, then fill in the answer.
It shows 4:57
